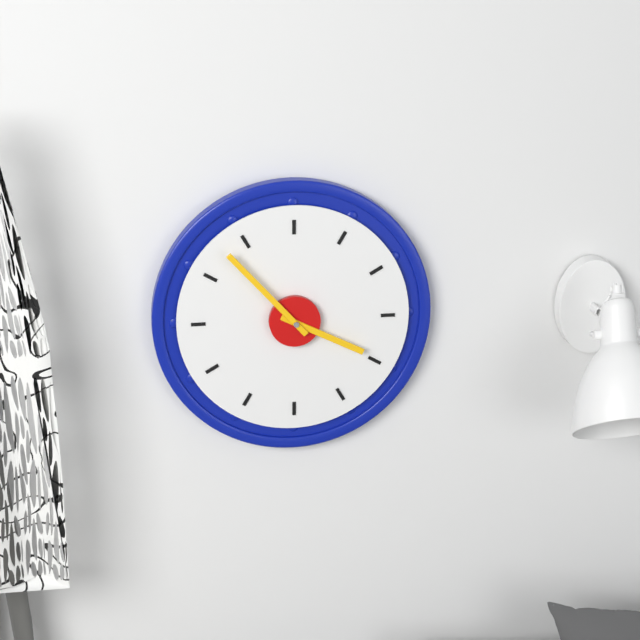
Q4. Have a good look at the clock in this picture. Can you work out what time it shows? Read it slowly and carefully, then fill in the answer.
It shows 3:53
